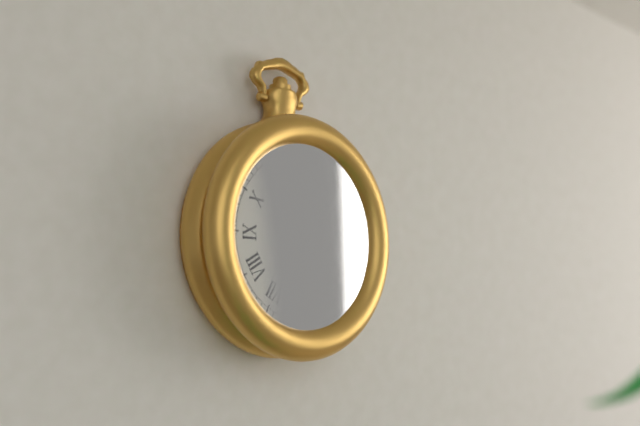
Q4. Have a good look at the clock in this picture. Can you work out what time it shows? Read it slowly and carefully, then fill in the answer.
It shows 6:13
